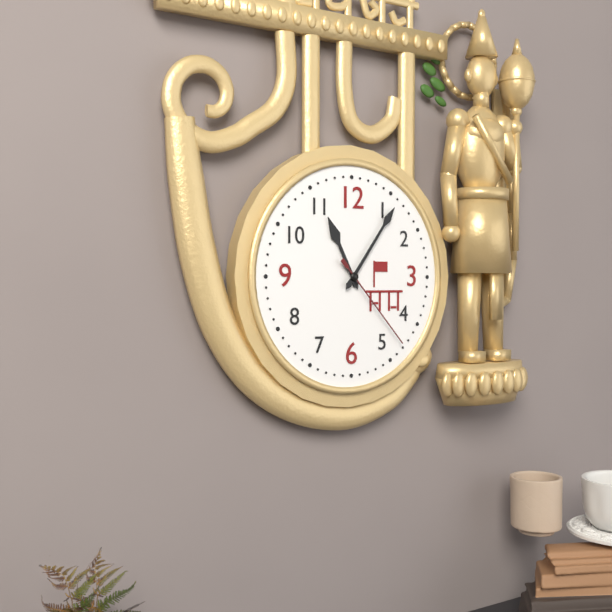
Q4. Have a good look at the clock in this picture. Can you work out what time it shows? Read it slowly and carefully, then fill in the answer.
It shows 11:06:23
